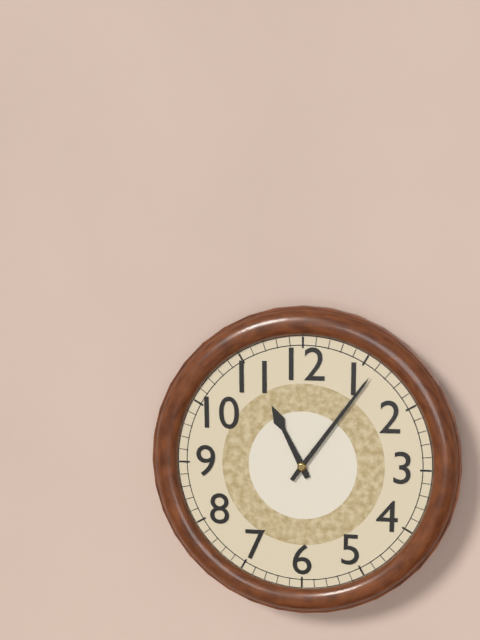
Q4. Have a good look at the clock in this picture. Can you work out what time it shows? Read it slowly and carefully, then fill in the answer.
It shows 11:06
